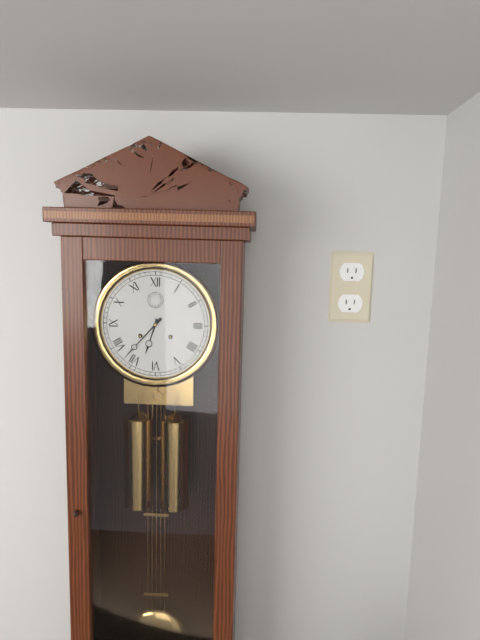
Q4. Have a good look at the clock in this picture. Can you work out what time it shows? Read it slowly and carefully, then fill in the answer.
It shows 6:37
